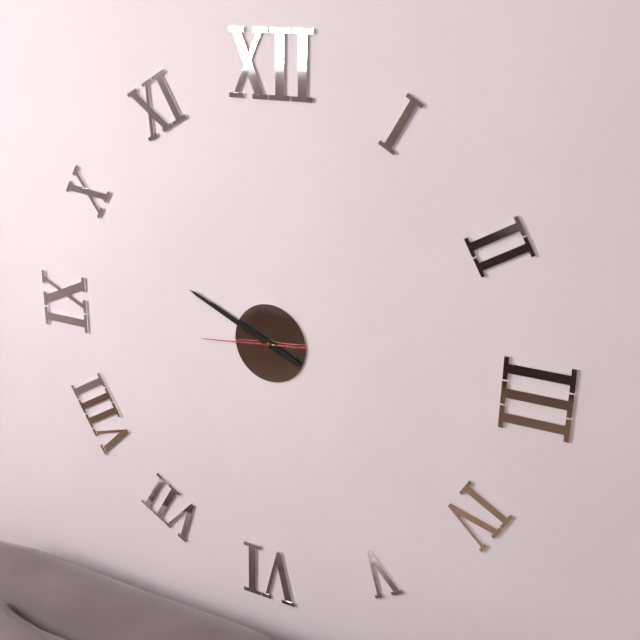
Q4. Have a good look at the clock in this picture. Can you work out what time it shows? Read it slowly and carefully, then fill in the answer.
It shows 9:49:44
